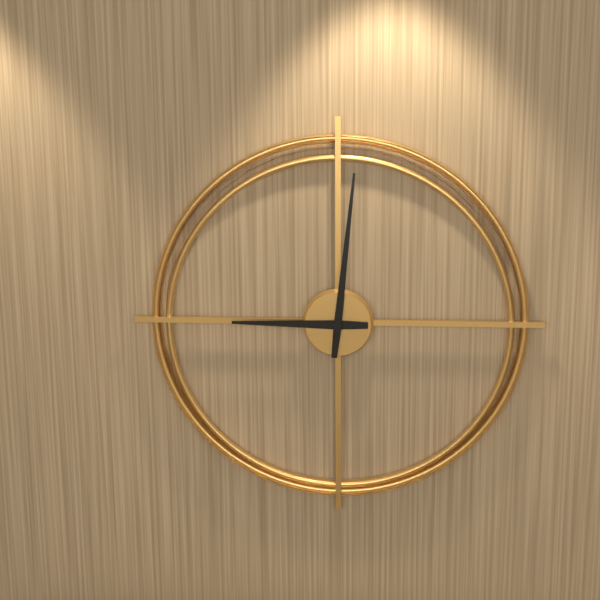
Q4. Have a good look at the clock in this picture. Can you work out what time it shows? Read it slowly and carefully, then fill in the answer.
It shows 9:01
